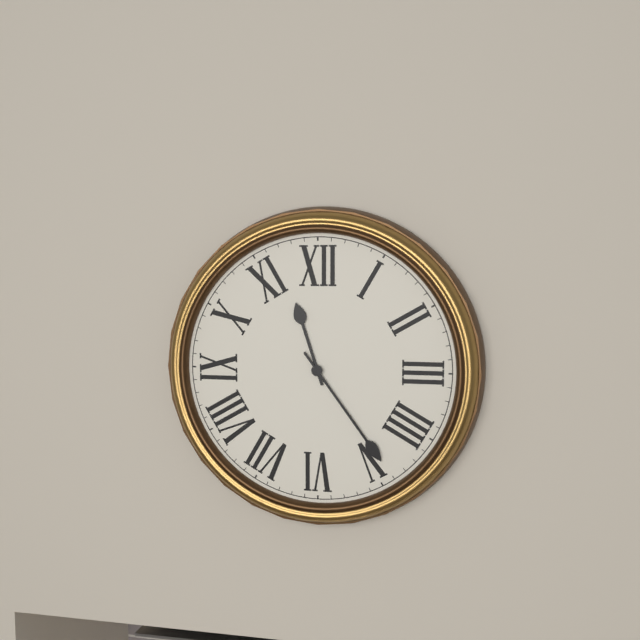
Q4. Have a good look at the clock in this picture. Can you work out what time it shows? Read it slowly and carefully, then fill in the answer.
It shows 11:24
